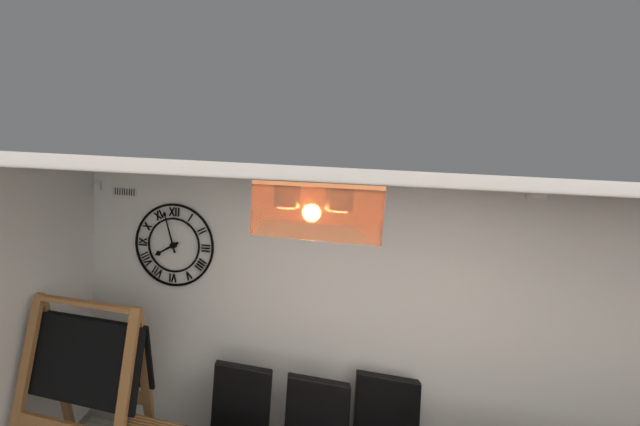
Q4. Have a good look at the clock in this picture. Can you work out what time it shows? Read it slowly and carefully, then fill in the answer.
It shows 7:57
